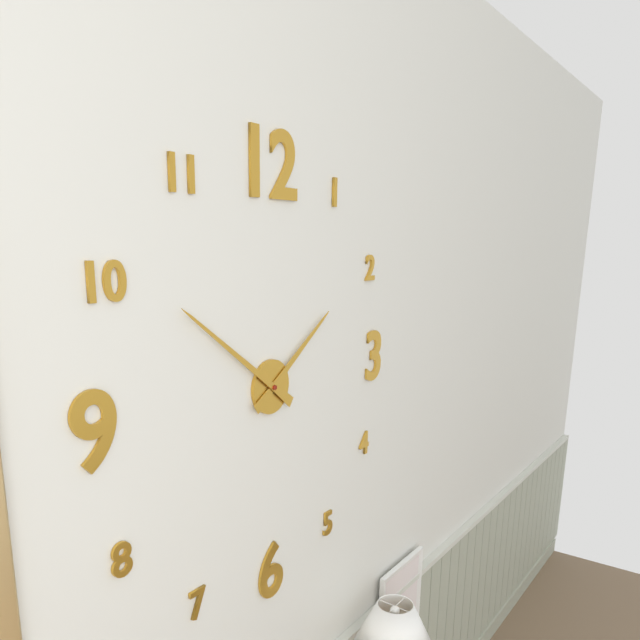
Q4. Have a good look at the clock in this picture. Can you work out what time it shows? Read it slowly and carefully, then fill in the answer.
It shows 1:51
